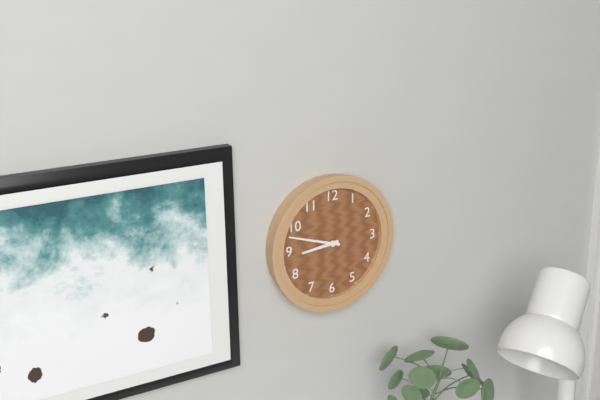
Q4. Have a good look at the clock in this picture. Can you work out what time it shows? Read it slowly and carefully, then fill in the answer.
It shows 8:48
